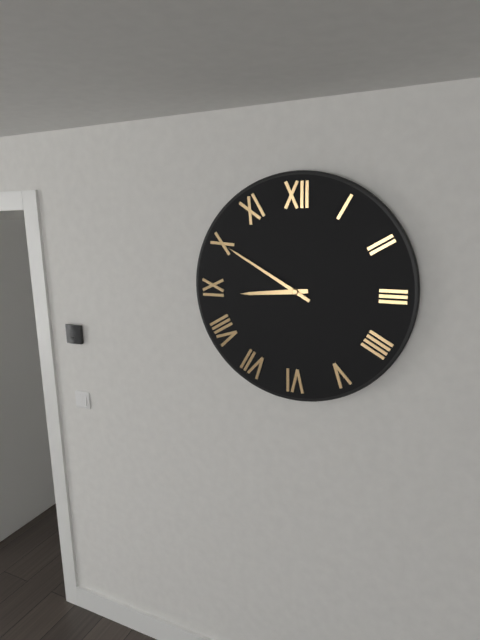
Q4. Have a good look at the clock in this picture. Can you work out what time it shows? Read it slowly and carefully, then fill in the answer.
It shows 8:50
